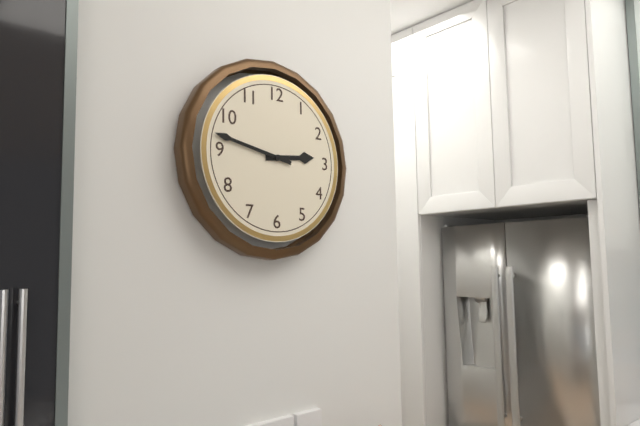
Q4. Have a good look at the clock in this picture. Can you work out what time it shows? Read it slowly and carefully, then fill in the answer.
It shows 2:47
